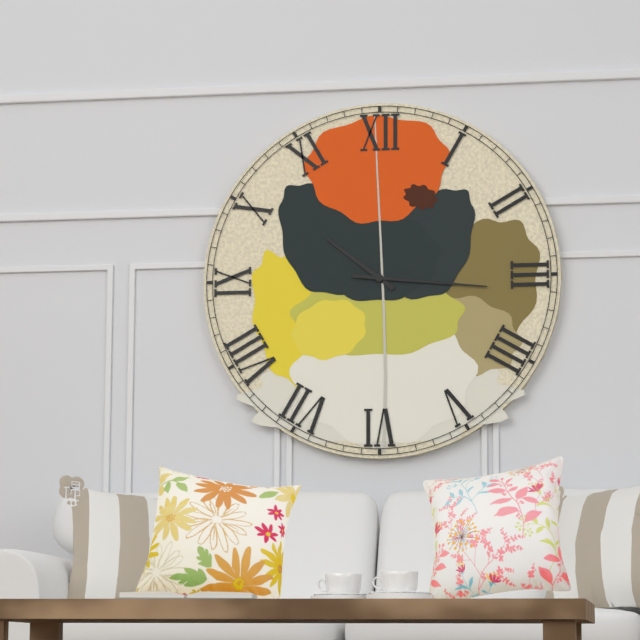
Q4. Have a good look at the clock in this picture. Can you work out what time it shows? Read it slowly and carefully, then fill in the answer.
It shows 10:16
